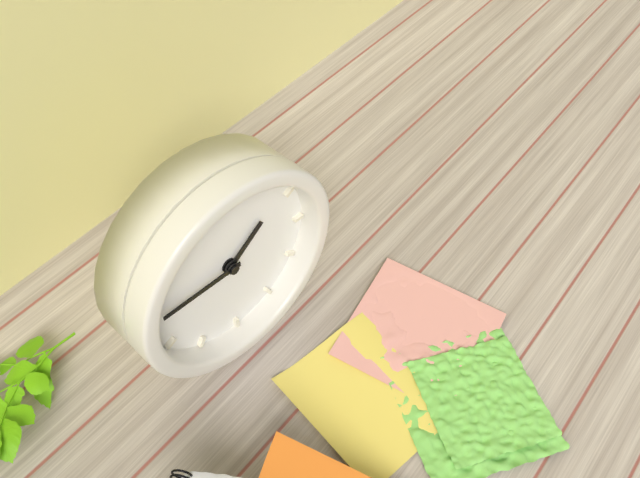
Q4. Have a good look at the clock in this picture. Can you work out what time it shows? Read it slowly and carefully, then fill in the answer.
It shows 1:45
